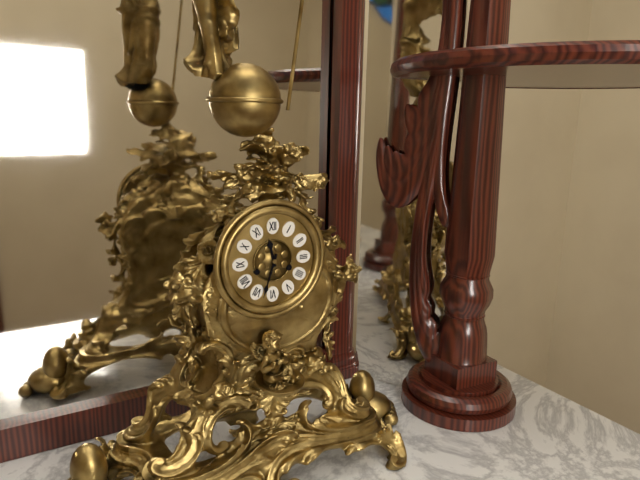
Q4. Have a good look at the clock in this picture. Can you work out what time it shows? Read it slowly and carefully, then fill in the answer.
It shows 11:33
